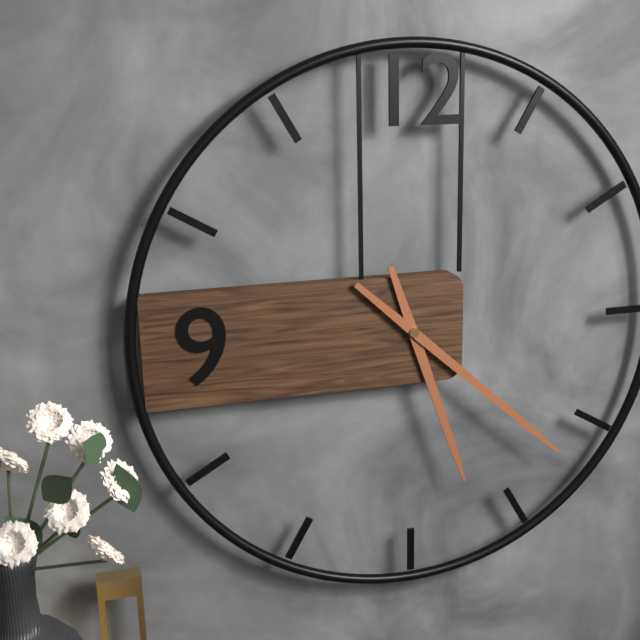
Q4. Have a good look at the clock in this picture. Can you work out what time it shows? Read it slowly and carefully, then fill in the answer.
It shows 5:22
